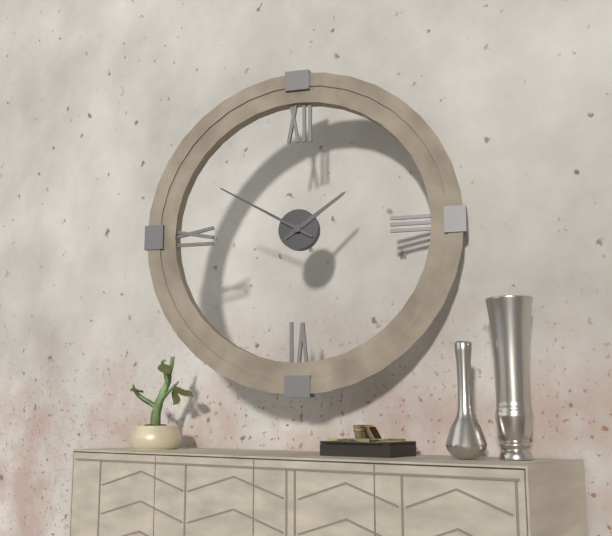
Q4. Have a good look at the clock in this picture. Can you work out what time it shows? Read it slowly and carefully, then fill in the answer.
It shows 1:50
